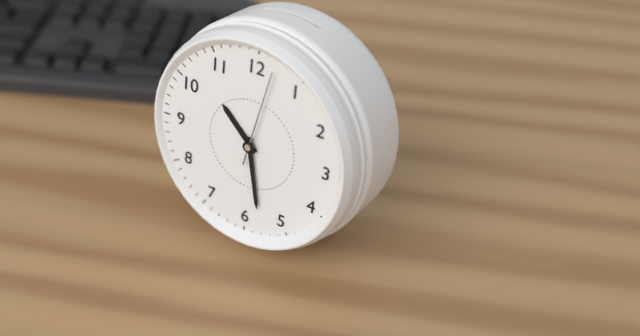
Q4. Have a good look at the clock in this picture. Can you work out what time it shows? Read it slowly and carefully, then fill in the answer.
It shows 10:28:02
